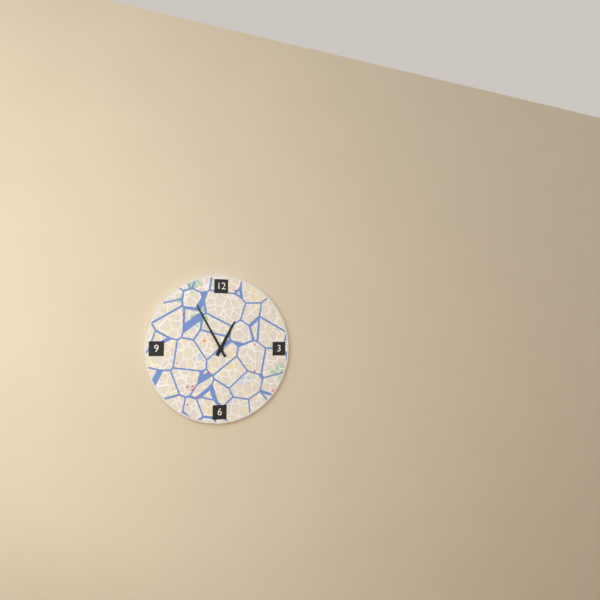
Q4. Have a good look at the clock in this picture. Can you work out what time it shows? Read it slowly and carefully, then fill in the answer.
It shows 12:55
